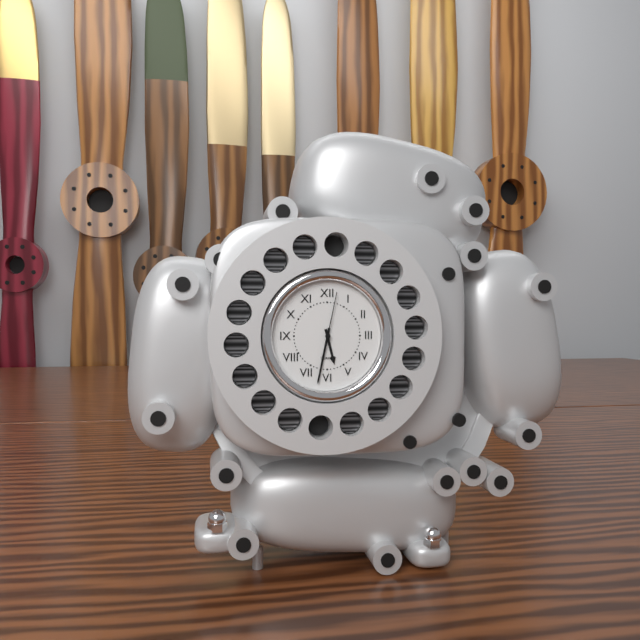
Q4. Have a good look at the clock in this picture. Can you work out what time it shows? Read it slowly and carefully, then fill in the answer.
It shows 5:32:02
